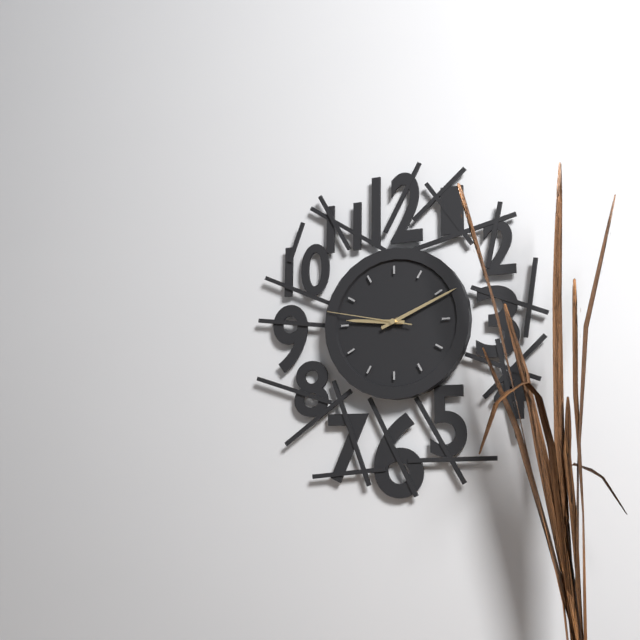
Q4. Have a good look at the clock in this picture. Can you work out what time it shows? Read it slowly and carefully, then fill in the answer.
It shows 9:11:47
